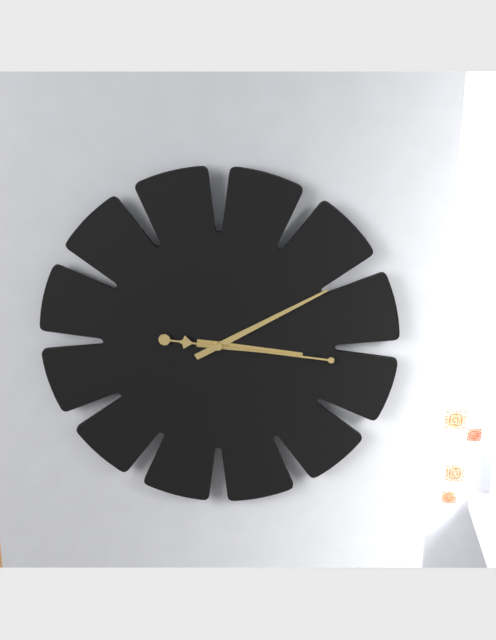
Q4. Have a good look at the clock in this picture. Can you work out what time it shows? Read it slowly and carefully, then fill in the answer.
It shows 3:10:16
